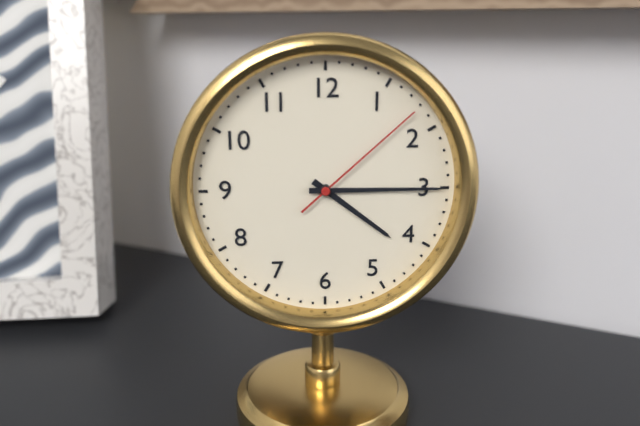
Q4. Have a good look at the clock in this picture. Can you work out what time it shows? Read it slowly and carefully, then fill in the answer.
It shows 4:15:08
